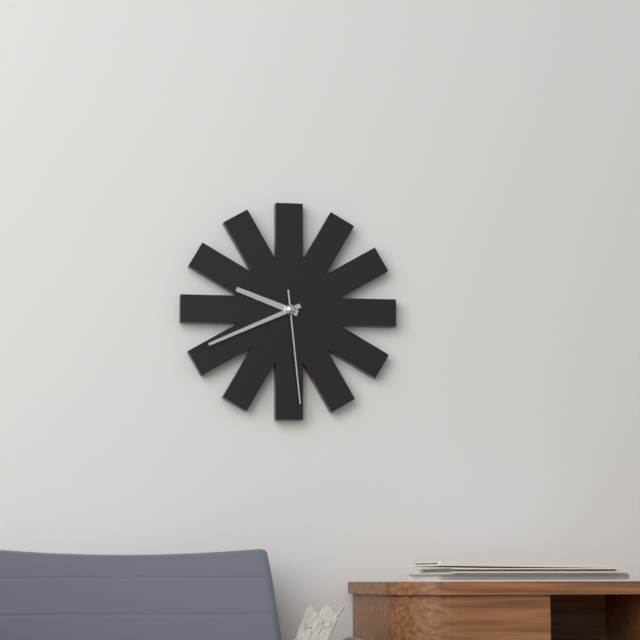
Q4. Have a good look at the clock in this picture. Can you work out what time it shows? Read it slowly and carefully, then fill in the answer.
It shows 9:41:29
